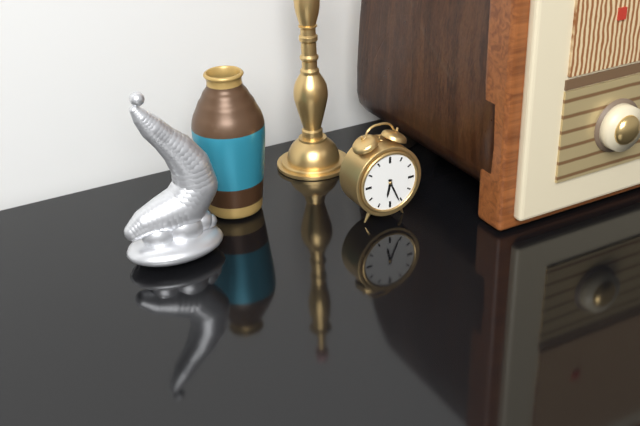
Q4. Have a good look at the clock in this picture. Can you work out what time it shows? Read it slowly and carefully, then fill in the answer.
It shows 6:26
